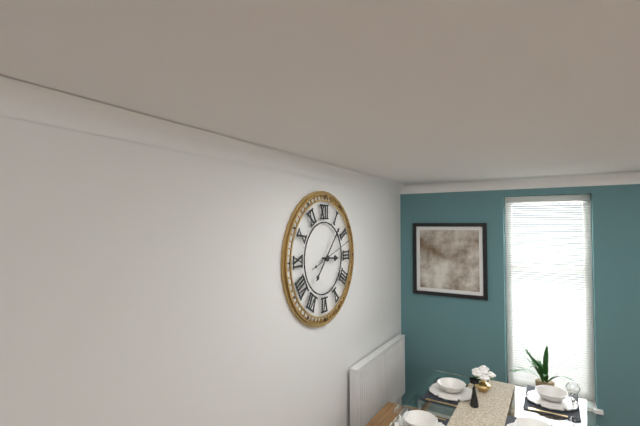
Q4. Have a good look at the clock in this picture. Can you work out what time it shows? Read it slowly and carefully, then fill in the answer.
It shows 3:07
